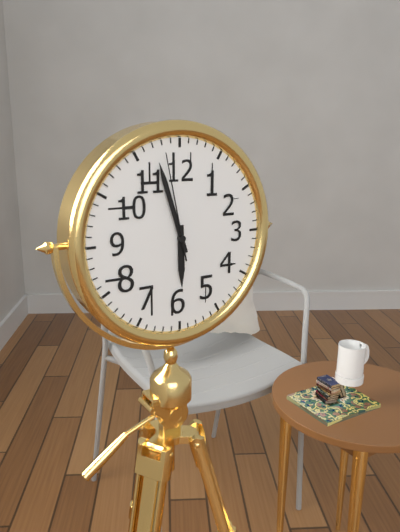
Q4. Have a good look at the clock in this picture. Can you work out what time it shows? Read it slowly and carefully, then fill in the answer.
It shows 5:57:58
